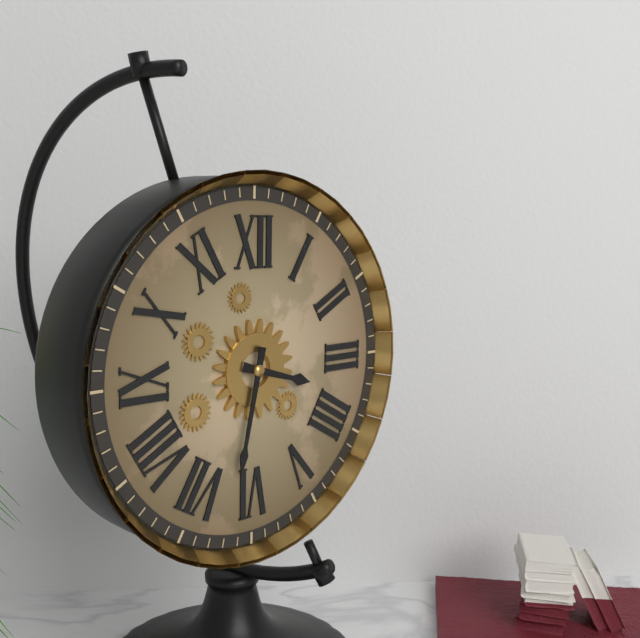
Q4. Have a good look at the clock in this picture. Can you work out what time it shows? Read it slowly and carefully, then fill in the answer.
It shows 3:32
